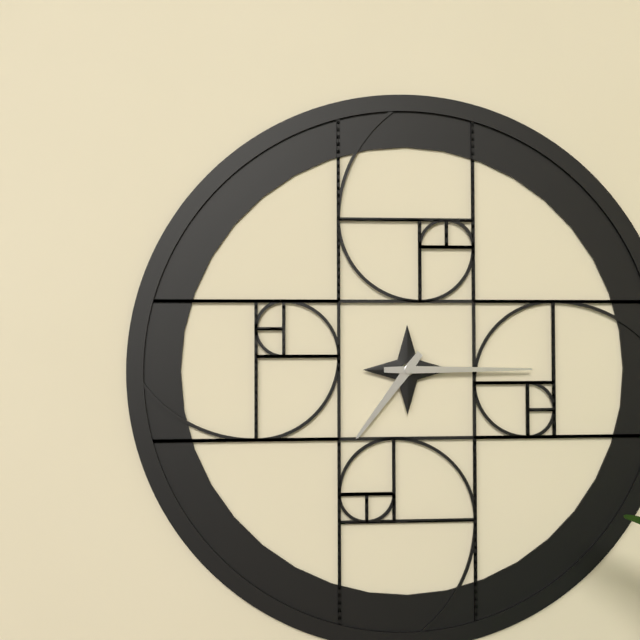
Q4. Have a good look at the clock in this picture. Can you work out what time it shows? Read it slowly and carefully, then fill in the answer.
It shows 7:15
